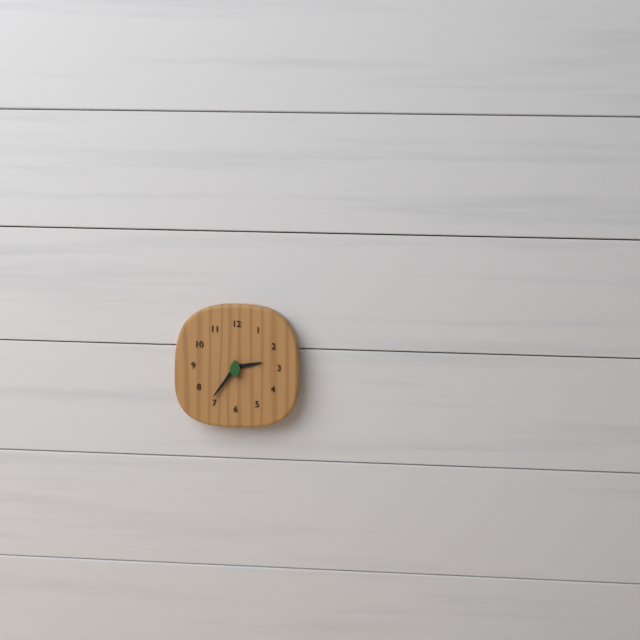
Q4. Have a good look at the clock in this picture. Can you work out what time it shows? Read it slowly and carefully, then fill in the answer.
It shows 2:36
